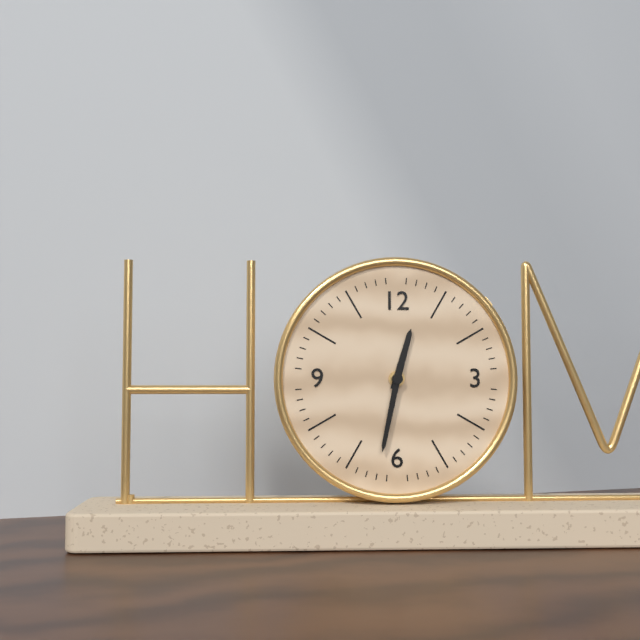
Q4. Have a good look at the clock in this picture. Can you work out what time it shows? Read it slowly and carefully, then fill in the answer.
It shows 12:32
